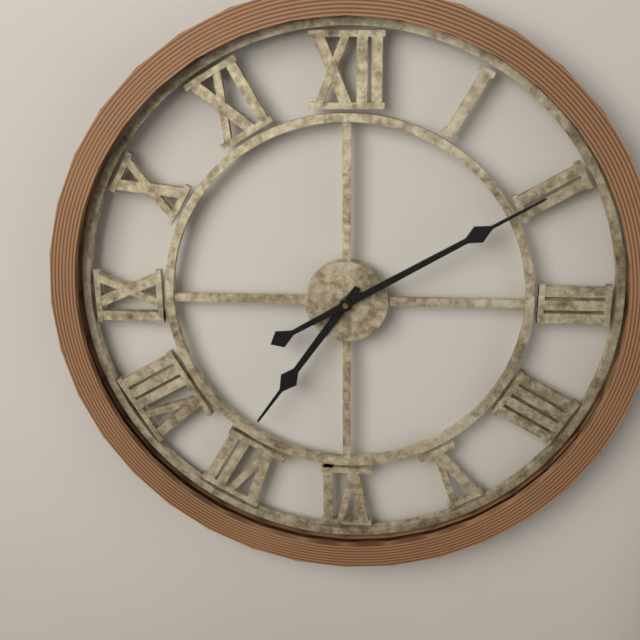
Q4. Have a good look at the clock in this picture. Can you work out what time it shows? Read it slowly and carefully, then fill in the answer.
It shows 7:10
